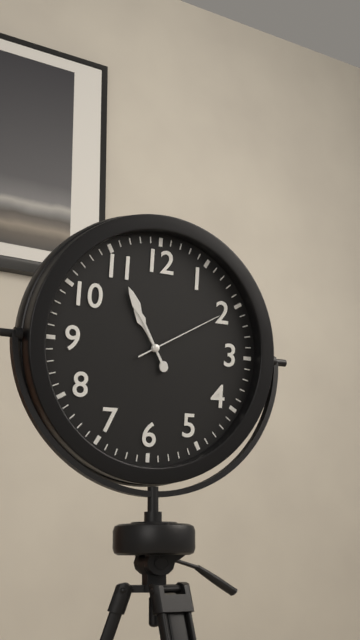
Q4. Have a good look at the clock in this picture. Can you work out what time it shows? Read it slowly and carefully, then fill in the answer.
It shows 10:55:10
